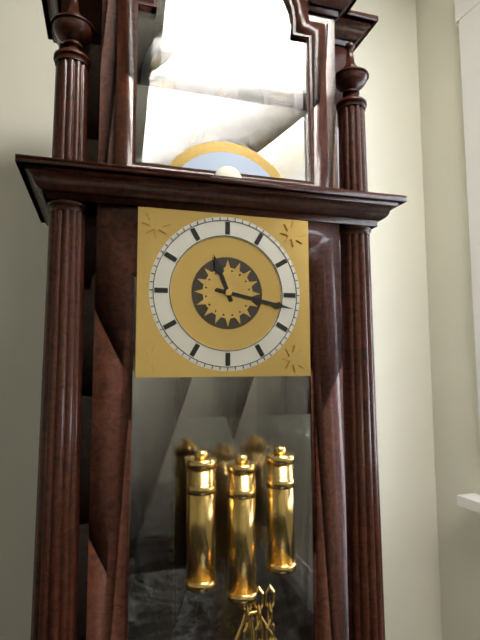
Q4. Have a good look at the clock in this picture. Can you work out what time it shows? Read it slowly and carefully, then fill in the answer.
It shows 11:17
